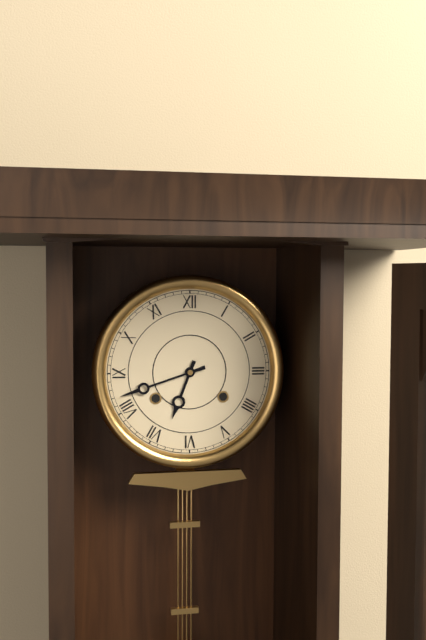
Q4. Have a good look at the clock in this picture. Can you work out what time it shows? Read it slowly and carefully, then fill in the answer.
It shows 6:42
